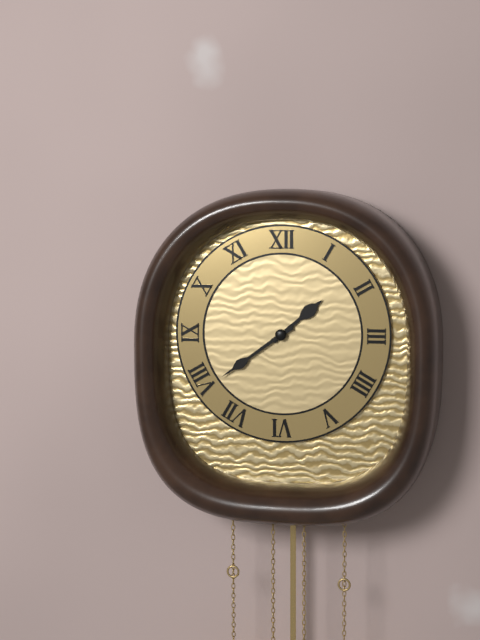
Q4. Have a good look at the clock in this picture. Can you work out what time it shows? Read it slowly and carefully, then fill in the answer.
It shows 1:39
